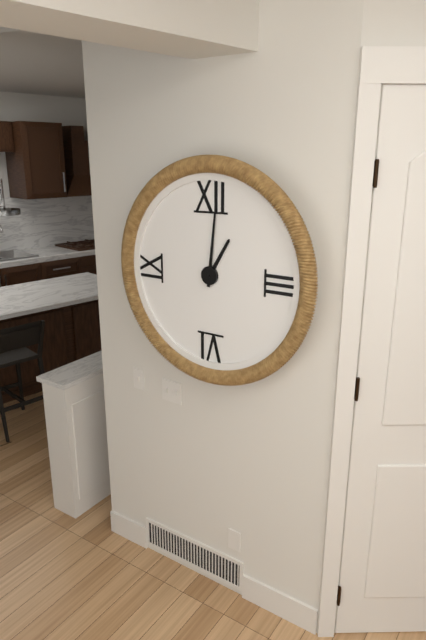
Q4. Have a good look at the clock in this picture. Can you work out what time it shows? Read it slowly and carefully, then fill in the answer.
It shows 1:01
